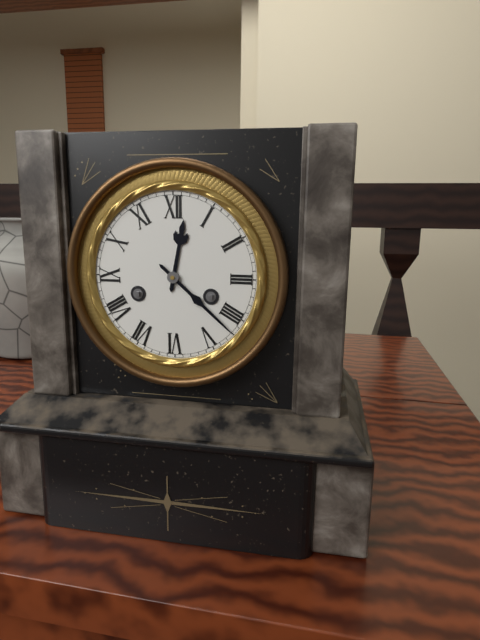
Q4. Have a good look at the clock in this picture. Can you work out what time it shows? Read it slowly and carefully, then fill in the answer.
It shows 12:22
